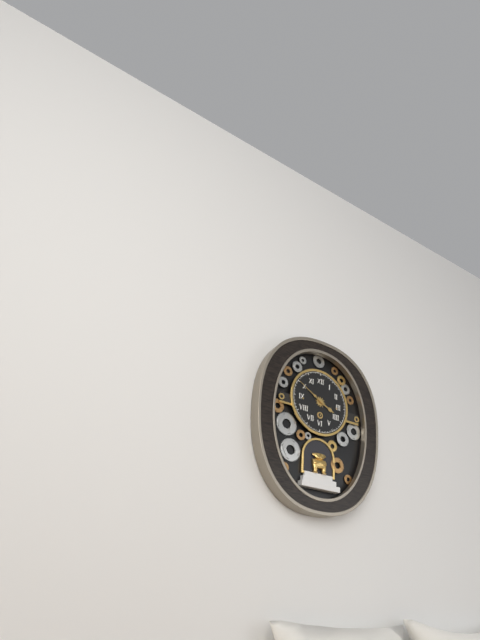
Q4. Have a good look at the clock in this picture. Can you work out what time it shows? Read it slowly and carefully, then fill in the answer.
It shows 3:50
